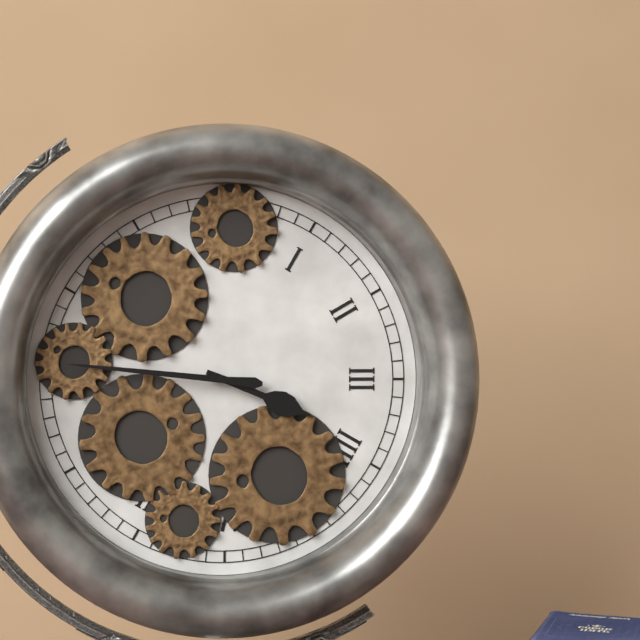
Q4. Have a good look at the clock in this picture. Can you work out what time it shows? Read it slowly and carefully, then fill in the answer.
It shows 3:46
